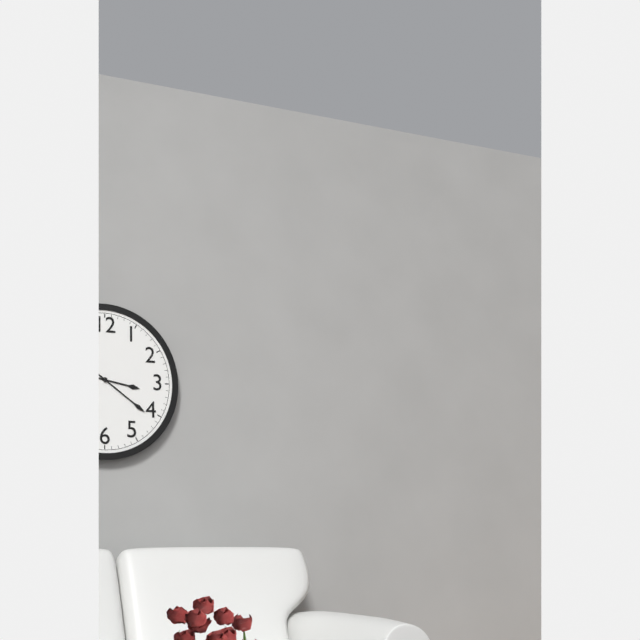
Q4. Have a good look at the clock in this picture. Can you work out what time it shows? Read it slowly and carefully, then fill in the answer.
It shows 3:21
